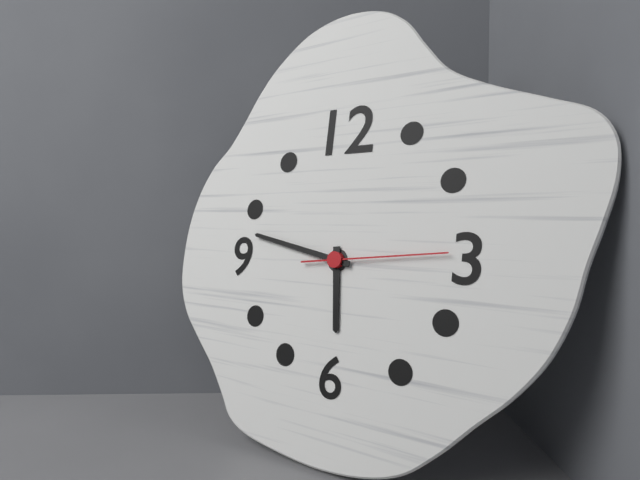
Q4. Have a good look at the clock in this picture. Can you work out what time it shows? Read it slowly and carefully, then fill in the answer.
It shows 5:47:14
